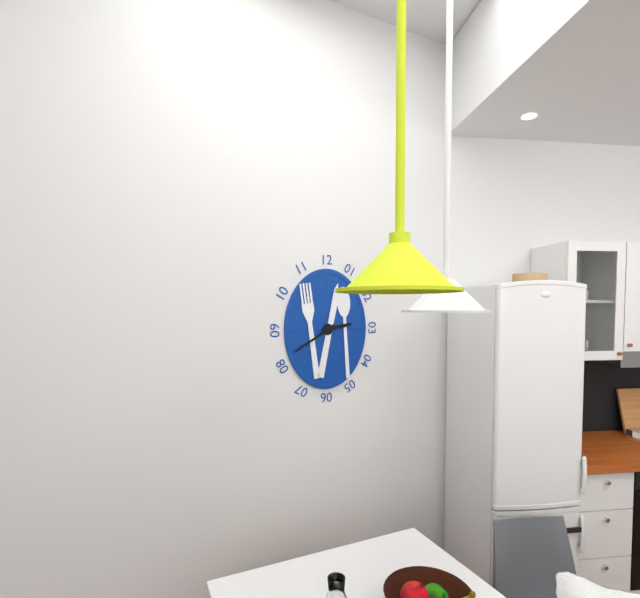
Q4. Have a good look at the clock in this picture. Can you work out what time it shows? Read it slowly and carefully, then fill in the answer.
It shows 2:40
